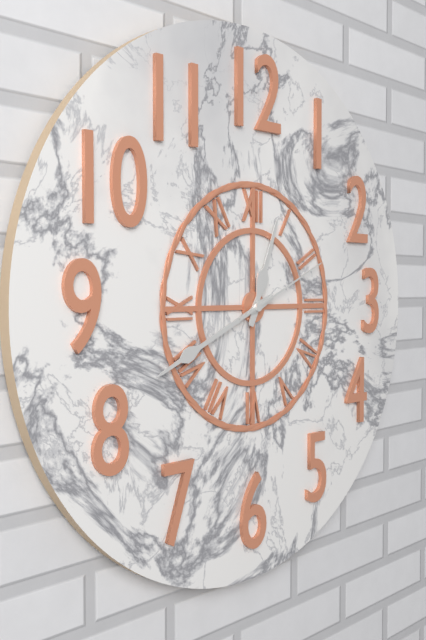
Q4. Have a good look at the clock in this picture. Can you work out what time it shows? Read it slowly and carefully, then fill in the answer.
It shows 12:41:11
